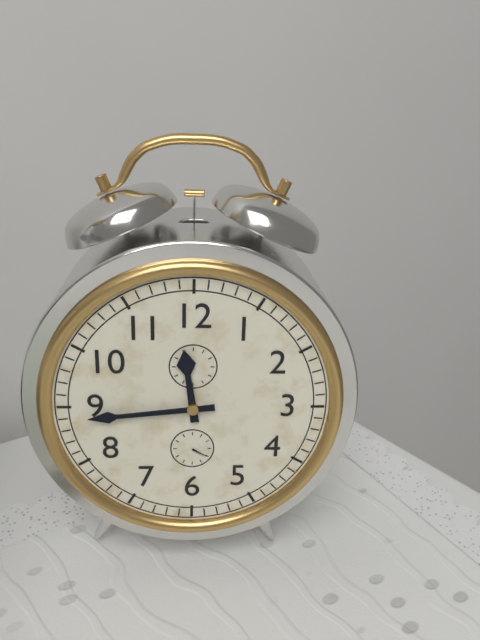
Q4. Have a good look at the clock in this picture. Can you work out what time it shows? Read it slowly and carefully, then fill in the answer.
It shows 11:44
